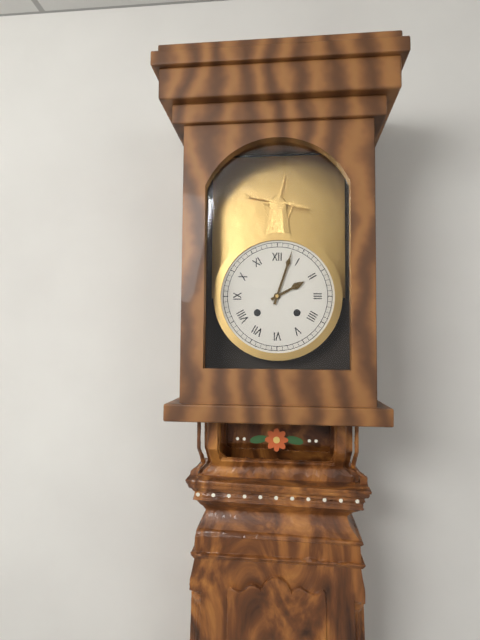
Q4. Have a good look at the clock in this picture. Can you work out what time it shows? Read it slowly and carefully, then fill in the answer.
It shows 2:03
